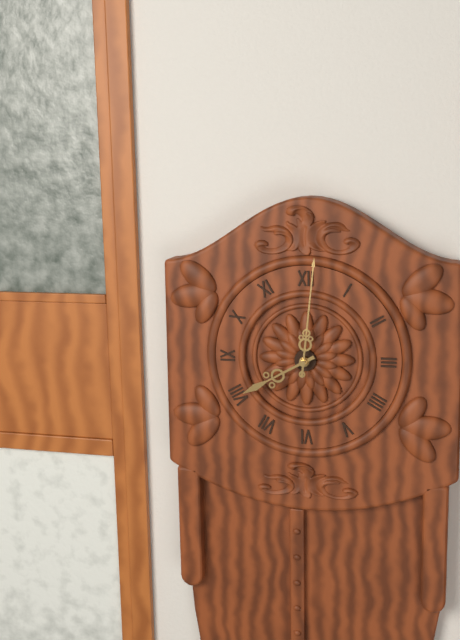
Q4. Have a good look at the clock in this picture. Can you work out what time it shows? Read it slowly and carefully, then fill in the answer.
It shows 8:01
